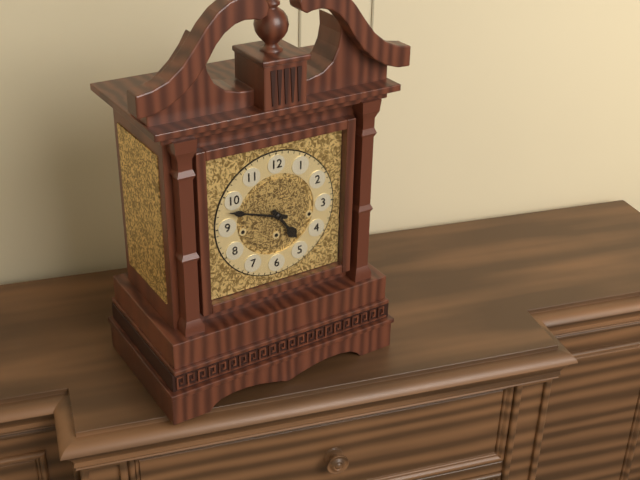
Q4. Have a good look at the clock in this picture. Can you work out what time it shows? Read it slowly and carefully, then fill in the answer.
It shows 4:48
